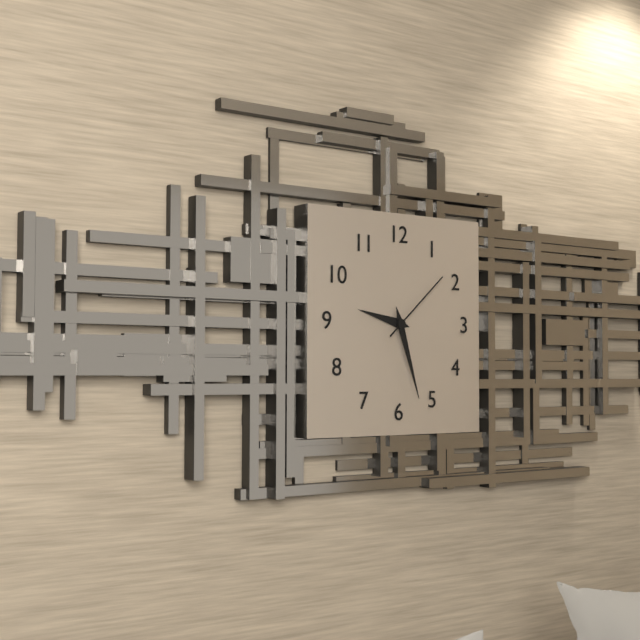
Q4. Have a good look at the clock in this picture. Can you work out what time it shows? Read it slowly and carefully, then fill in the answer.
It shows 9:27:08
